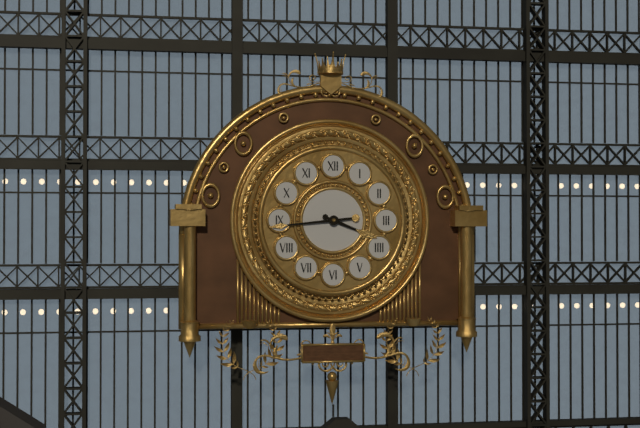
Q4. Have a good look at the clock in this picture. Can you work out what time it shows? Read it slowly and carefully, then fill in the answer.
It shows 3:44
